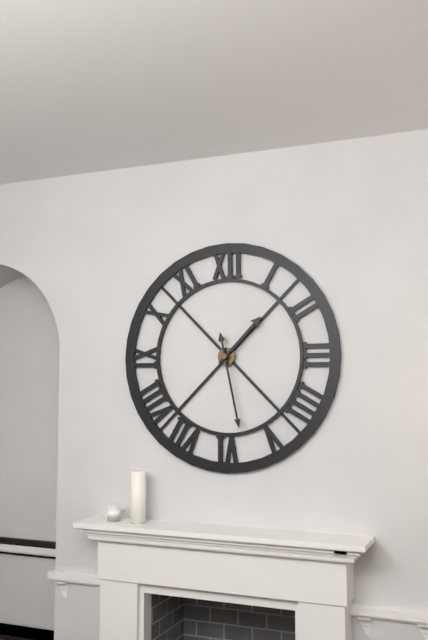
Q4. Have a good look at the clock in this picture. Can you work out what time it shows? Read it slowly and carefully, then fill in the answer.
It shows 1:28
